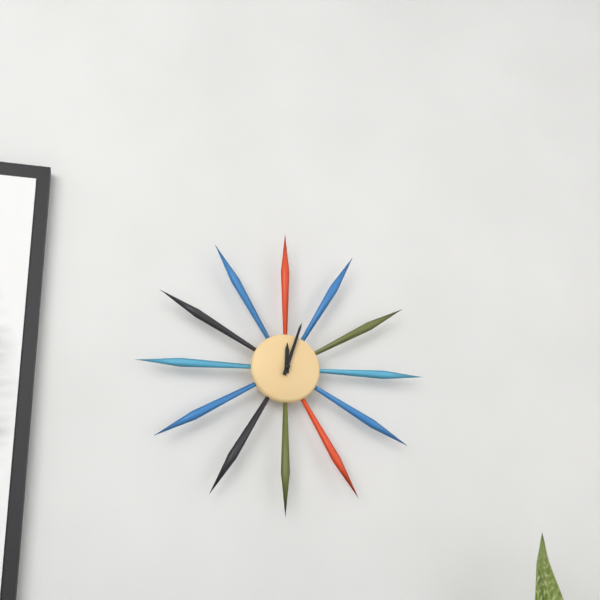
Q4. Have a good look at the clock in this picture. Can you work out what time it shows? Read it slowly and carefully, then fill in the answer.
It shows 12:03
